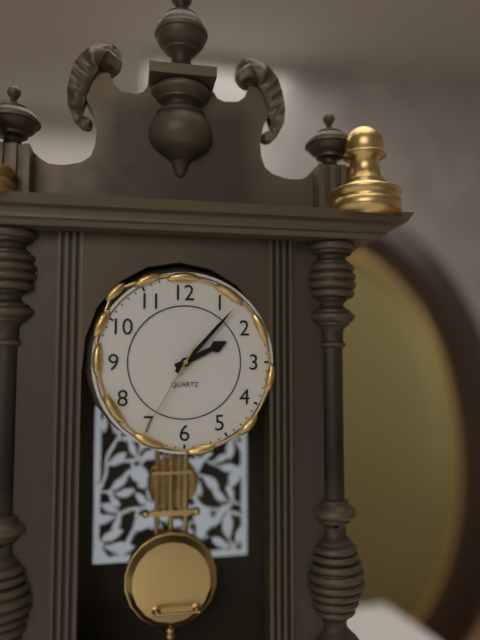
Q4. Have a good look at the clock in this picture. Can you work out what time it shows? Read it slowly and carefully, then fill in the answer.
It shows 2:07:35
